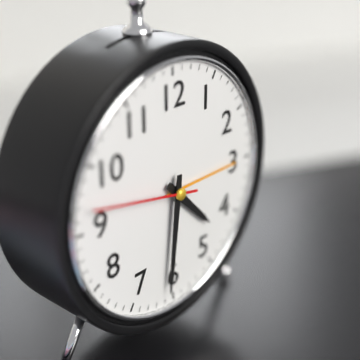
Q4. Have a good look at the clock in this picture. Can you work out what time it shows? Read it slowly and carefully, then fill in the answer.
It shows 4:31:47
